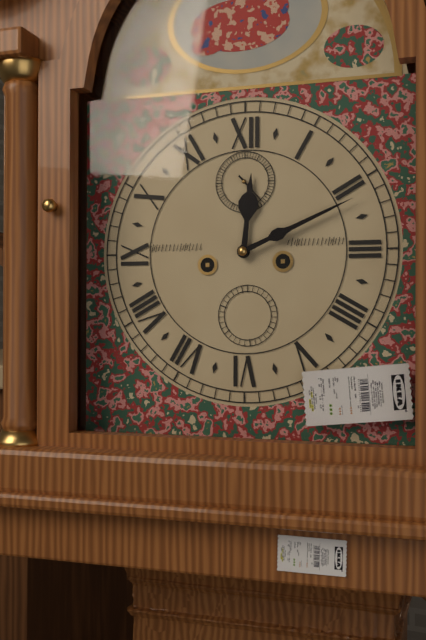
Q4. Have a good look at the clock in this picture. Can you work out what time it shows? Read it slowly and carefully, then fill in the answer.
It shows 12:11
